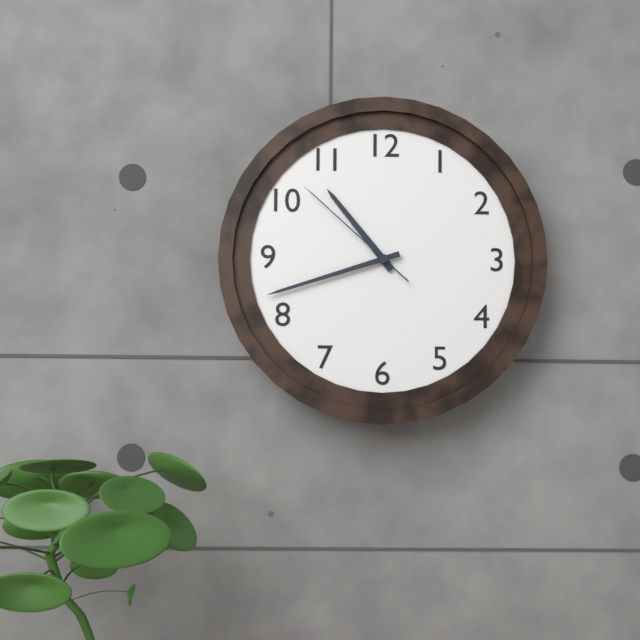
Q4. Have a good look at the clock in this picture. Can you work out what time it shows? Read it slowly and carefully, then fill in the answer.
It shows 10:42:52
